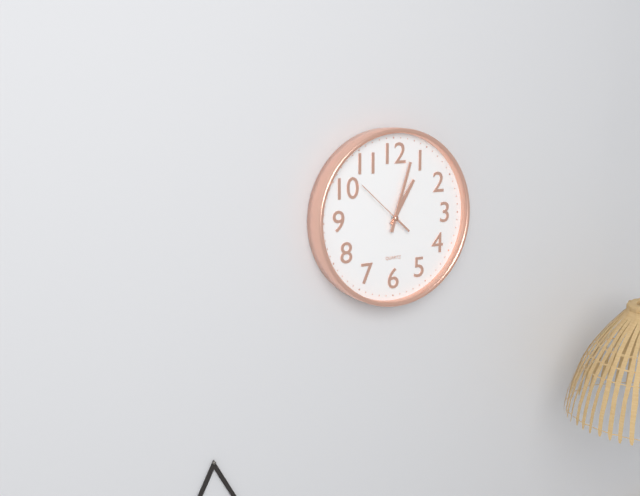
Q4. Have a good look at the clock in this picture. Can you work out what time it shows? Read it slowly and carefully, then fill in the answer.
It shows 1:03
